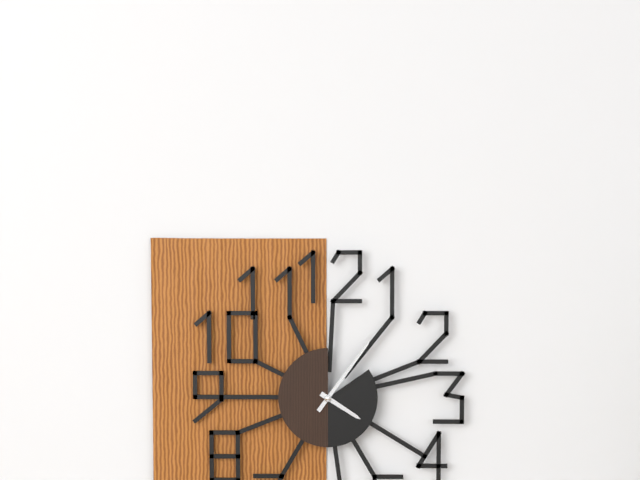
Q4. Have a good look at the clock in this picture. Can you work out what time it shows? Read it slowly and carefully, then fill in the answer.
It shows 4:06
